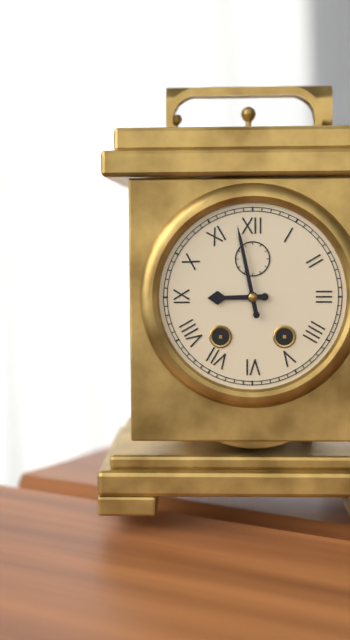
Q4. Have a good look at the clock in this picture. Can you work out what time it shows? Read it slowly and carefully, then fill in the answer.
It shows 8:58
